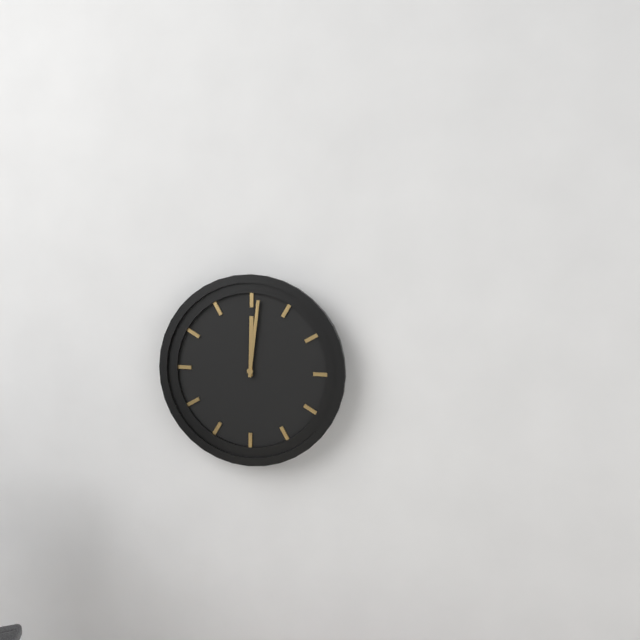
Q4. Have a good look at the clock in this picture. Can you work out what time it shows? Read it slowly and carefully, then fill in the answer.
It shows 12:01
